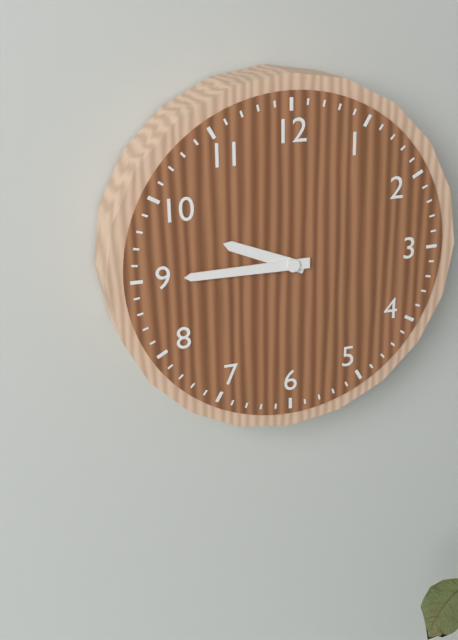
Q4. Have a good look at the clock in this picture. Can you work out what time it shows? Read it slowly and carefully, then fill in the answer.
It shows 9:45
